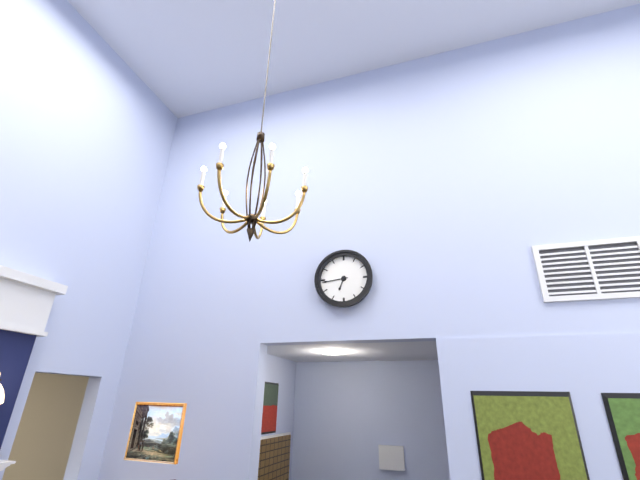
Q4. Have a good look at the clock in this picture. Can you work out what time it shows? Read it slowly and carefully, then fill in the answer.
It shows 6:44
